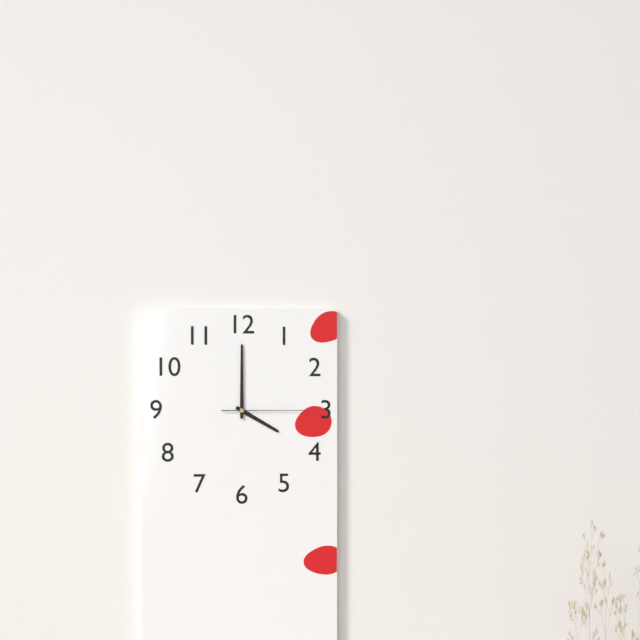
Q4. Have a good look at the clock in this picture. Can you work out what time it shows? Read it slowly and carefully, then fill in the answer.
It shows 4:00:15
